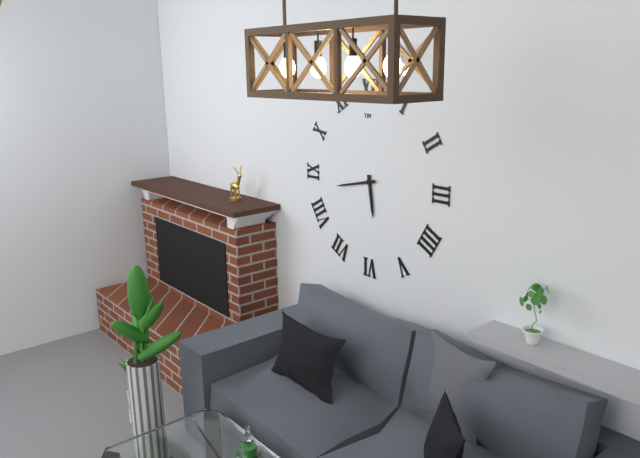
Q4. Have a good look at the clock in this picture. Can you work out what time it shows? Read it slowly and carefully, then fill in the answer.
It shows 5:43
